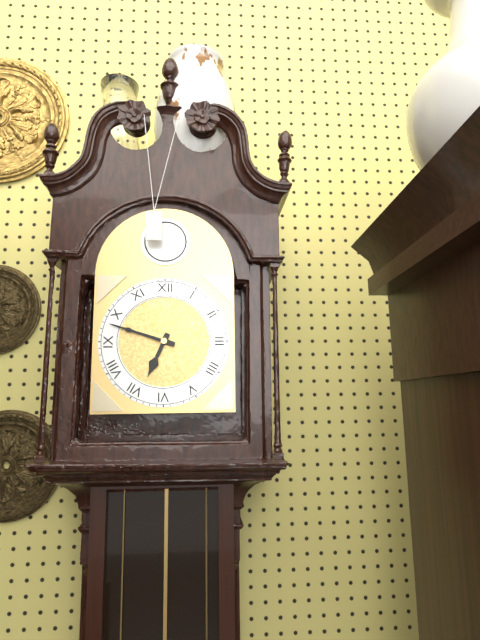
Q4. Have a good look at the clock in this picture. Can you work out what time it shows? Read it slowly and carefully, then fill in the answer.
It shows 6:48
